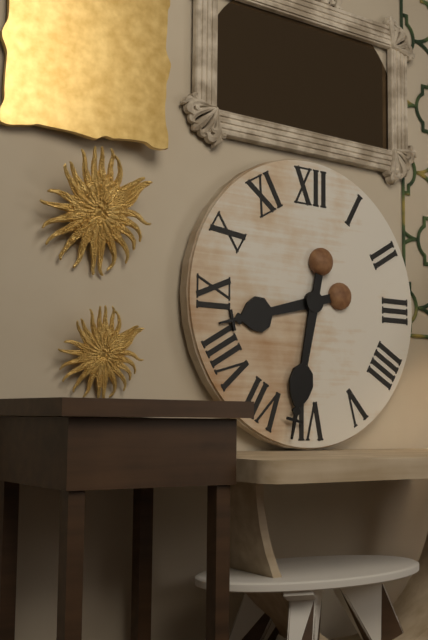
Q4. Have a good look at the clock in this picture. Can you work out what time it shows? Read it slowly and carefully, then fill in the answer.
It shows 8:32
